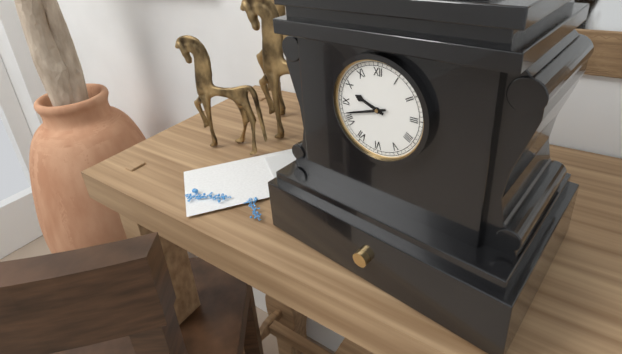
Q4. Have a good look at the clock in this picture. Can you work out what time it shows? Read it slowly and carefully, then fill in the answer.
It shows 9:42
